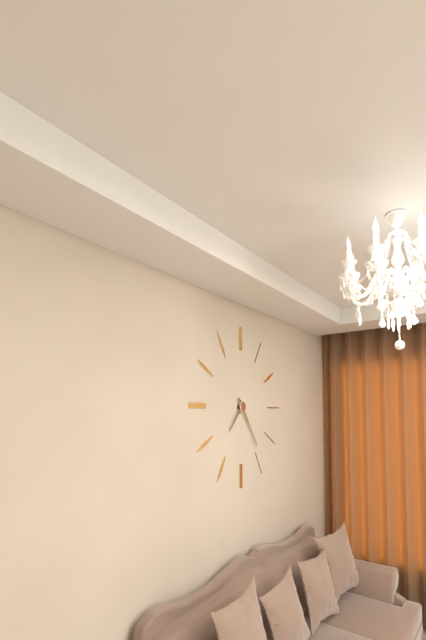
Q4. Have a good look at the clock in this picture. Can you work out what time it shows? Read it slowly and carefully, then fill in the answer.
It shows 7:24
